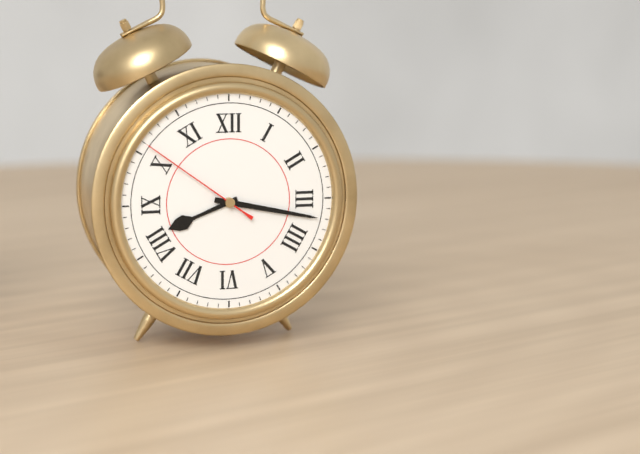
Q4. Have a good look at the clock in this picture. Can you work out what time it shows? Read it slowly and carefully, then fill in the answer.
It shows 8:17:51
